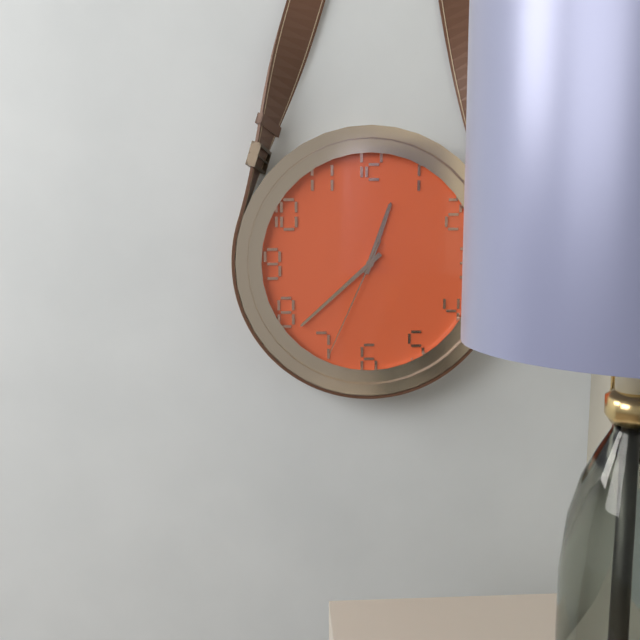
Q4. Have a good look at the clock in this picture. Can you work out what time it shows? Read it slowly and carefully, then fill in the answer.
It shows 12:38:34
